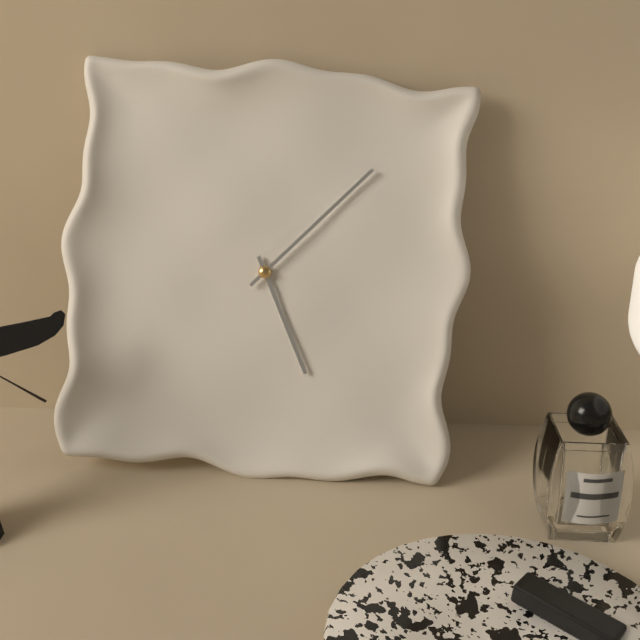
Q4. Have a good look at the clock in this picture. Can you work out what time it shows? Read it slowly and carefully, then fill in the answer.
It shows 5:07
